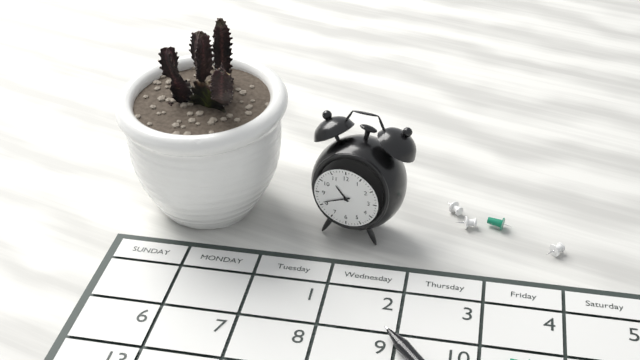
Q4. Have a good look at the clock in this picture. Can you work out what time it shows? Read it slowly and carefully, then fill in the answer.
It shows 10:41
